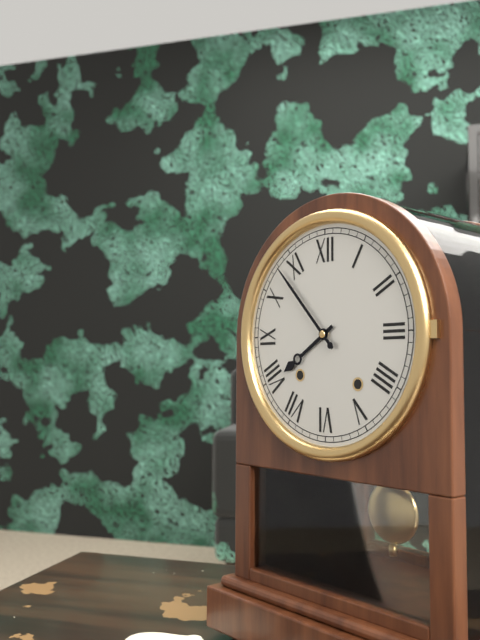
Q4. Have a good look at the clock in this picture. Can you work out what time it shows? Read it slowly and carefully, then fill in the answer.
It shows 7:53
